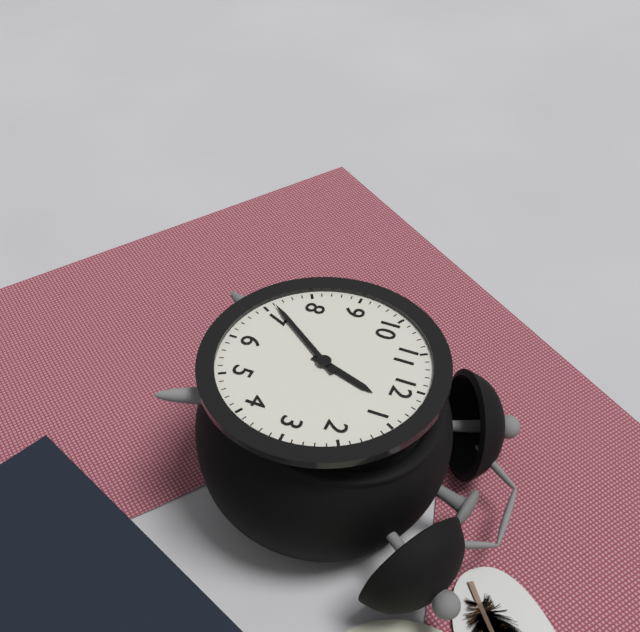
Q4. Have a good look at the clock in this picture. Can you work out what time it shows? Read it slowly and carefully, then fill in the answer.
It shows 12:36
